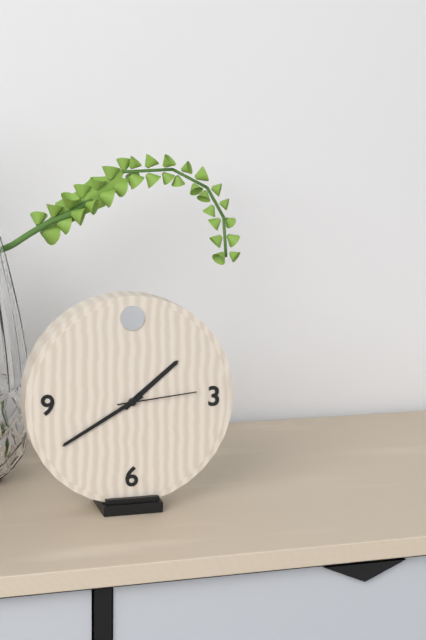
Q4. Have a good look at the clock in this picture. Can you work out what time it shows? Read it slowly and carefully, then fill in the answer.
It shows 1:40:14
